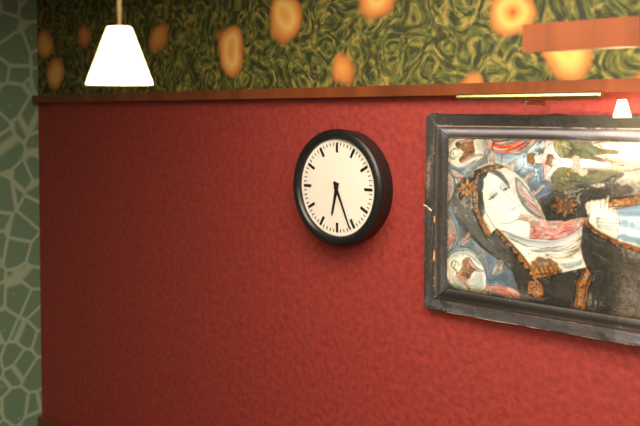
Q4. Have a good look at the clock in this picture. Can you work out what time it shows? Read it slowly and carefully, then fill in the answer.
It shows 6:26
